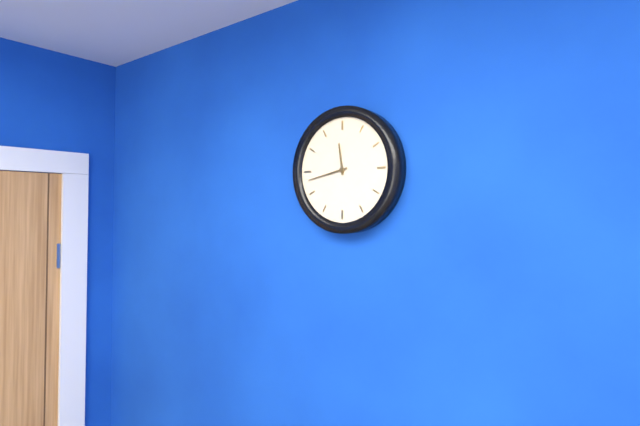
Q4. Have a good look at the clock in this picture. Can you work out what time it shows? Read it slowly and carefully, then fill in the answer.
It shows 11:43
